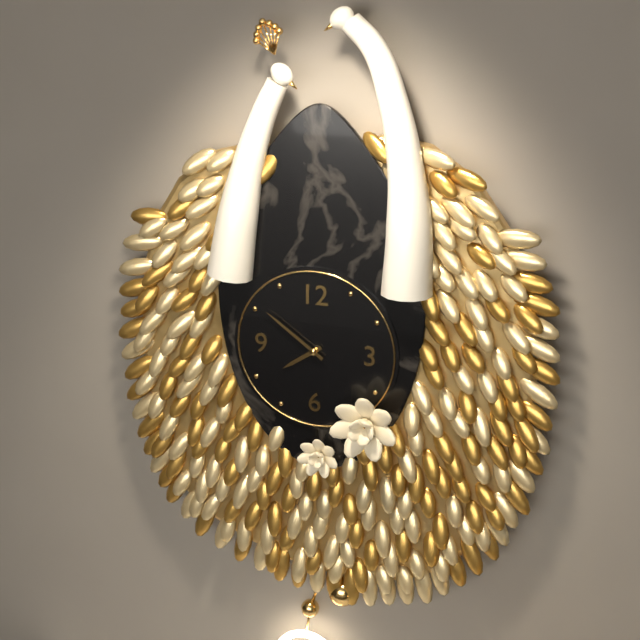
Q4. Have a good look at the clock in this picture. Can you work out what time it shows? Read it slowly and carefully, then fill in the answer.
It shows 7:51
